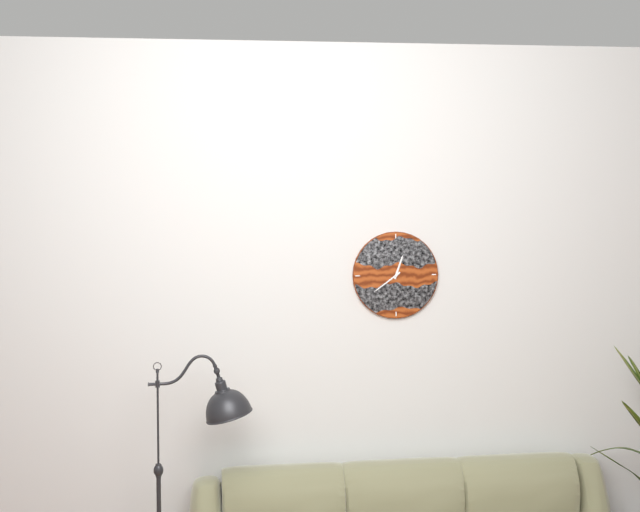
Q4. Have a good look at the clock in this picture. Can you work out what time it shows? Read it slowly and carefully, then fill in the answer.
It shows 12:39
